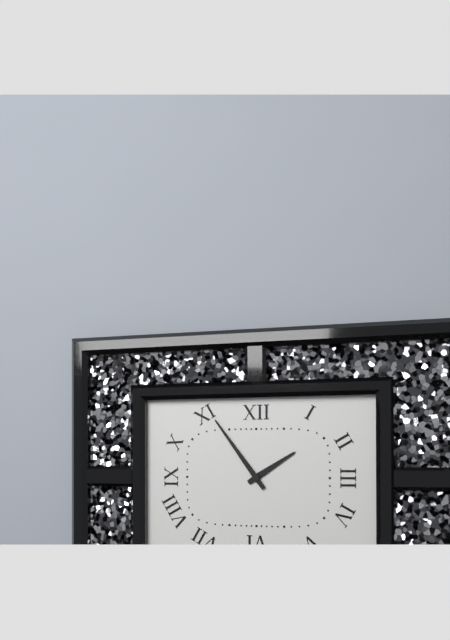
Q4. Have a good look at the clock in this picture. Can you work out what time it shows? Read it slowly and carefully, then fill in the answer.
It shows 1:54
